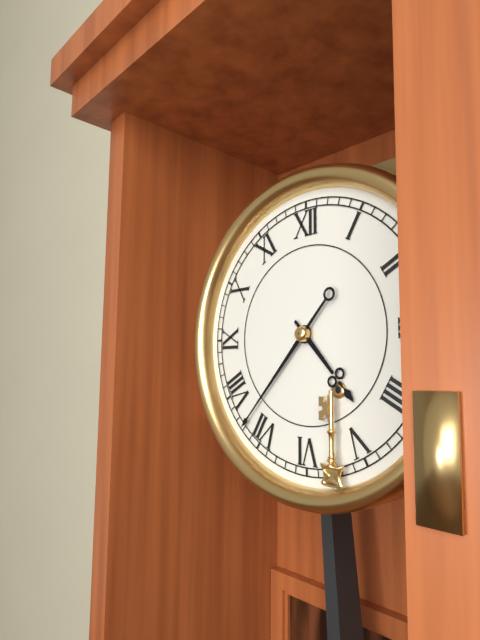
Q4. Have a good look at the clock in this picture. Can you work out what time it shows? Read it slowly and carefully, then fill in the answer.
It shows 4:37
